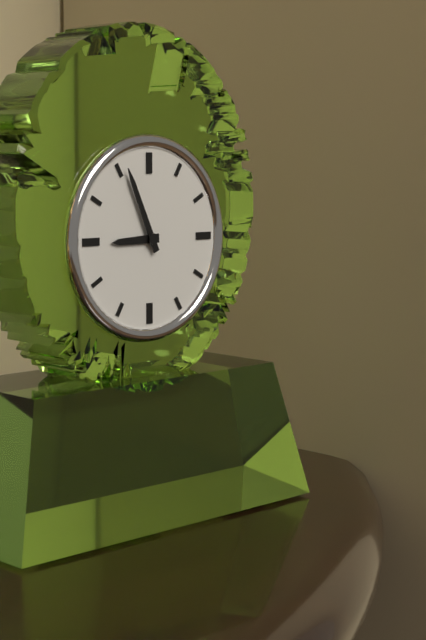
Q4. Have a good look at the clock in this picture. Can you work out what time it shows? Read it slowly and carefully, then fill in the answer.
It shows 8:56
